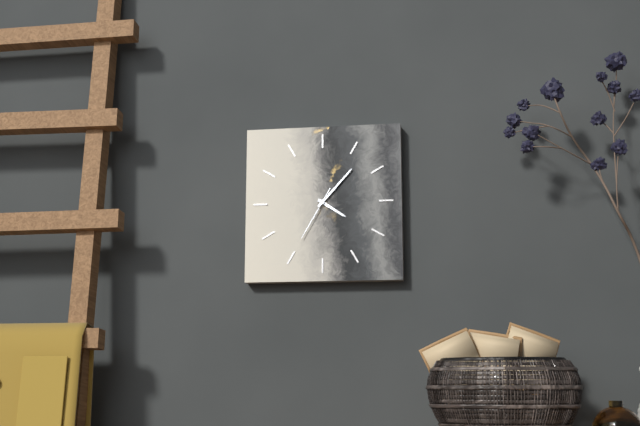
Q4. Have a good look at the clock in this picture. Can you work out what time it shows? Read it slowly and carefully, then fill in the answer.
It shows 4:07:35
